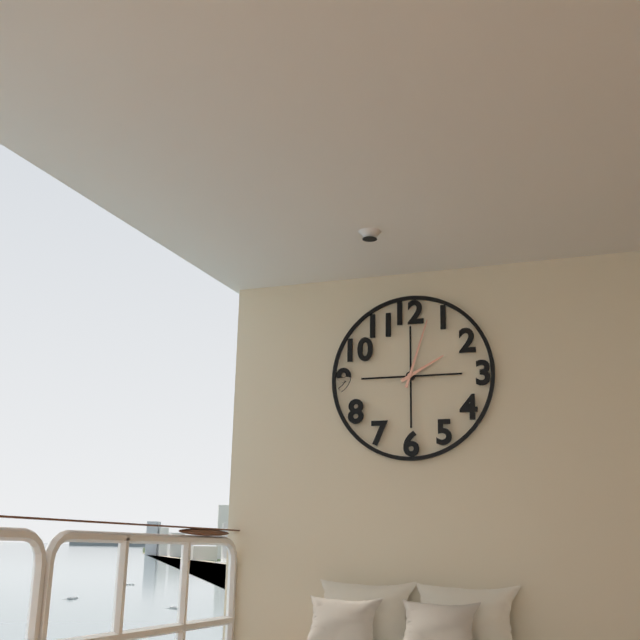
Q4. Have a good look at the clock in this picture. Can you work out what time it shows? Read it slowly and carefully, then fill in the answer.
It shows 2:03
